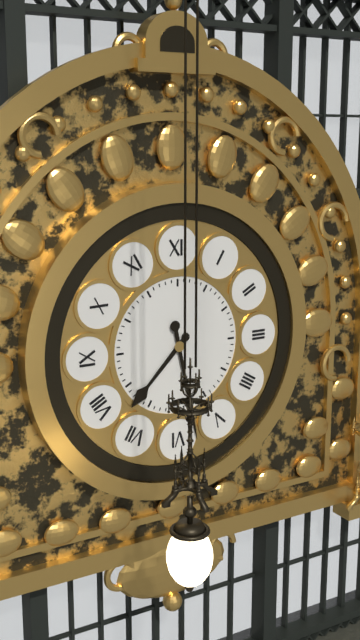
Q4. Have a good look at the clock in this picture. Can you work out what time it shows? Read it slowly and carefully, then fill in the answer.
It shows 7:28
